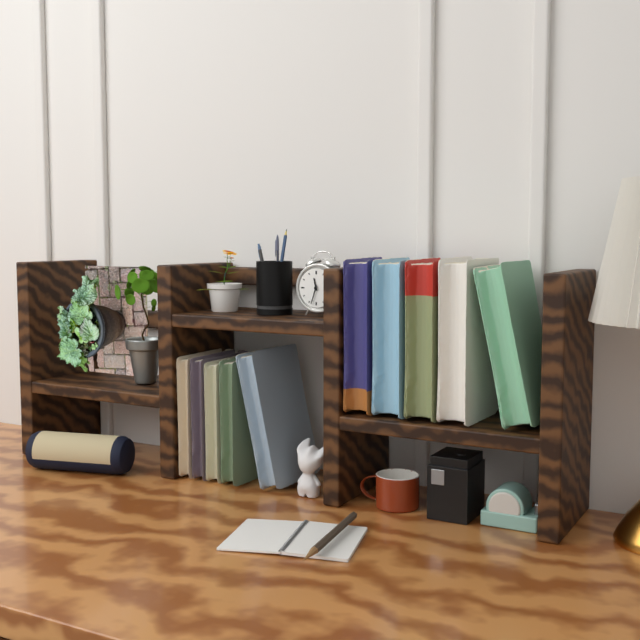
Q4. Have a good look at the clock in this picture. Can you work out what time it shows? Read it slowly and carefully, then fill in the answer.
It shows 11:33
